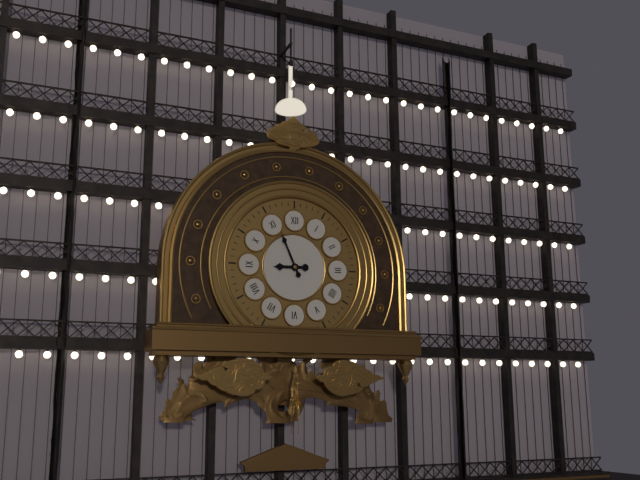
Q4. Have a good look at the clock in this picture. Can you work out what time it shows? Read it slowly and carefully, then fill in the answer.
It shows 8:56
